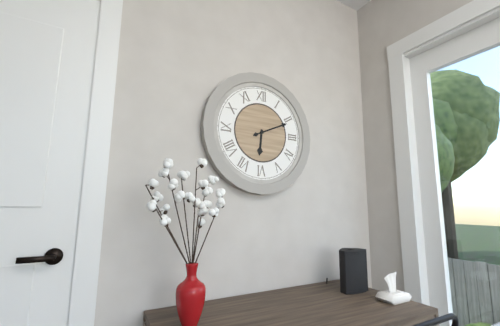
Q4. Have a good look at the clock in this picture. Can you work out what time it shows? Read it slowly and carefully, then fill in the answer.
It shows 6:11
